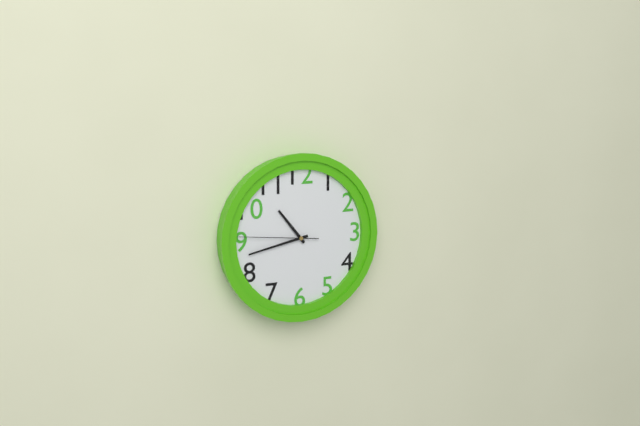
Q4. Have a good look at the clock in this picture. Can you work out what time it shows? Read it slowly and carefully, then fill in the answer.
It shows 10:43:46
